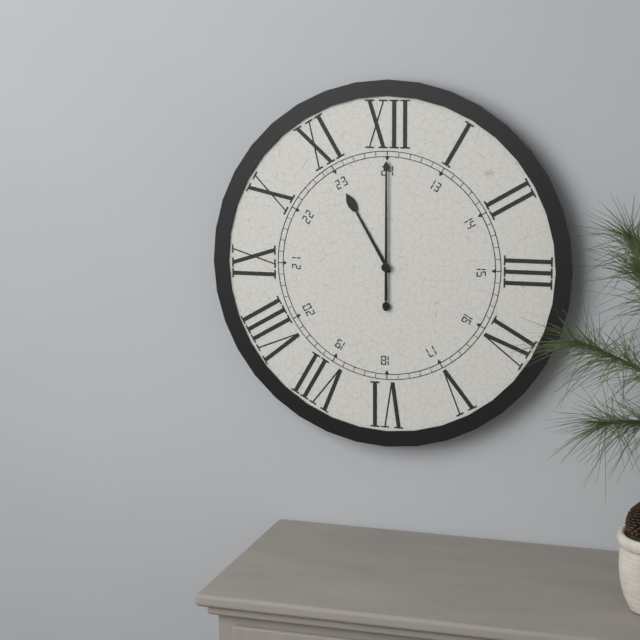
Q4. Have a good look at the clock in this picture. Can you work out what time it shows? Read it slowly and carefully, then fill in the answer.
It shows 11:00
